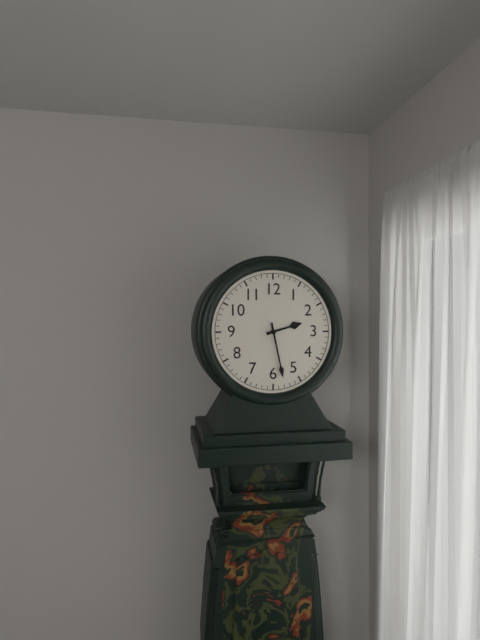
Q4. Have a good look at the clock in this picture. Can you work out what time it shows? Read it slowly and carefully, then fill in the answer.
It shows 2:28
